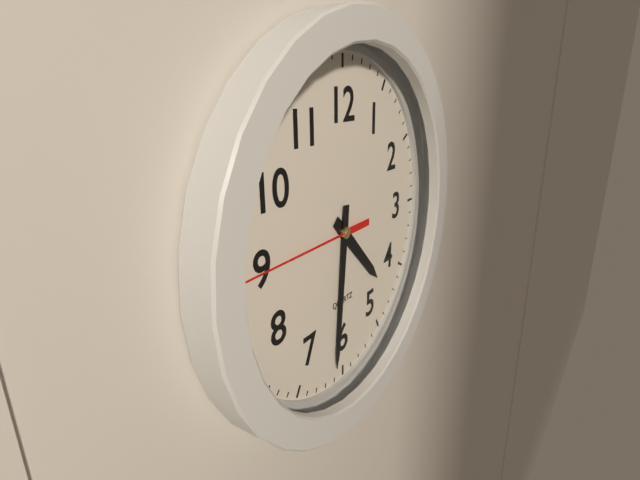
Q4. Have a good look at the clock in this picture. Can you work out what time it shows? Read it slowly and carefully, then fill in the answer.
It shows 4:31:45
